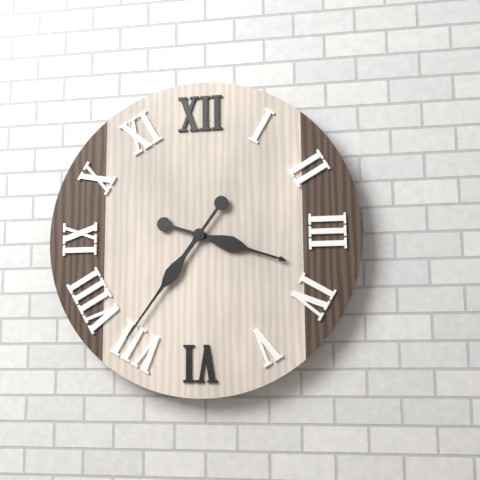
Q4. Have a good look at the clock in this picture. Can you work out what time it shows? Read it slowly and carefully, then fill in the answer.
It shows 3:36
